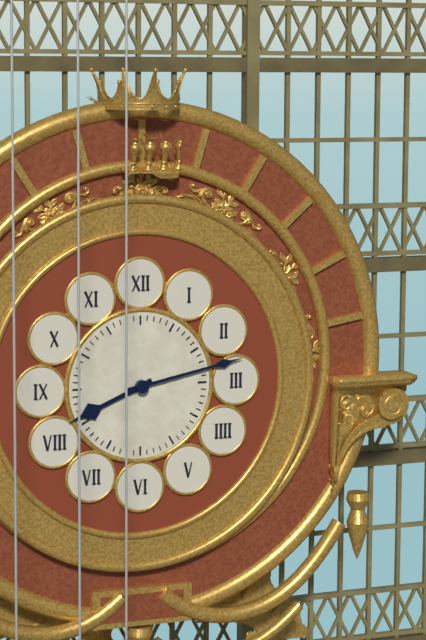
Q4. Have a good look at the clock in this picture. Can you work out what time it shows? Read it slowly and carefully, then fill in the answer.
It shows 8:13
